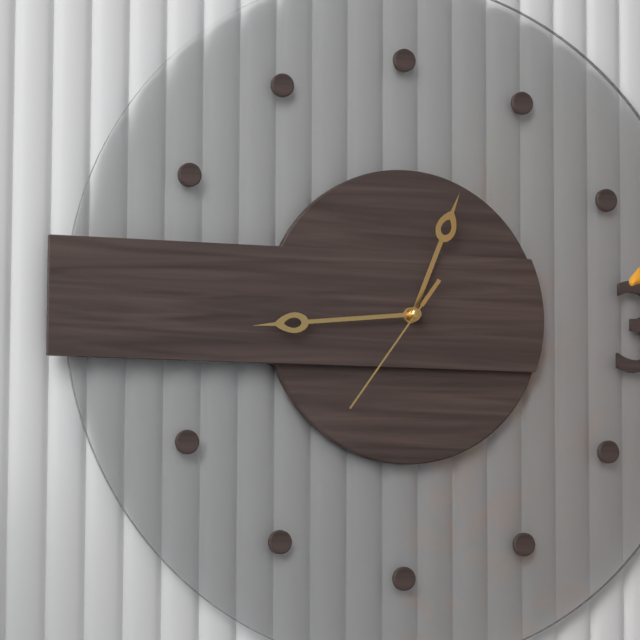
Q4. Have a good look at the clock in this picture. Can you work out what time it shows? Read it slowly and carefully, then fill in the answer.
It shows 12:44:36
